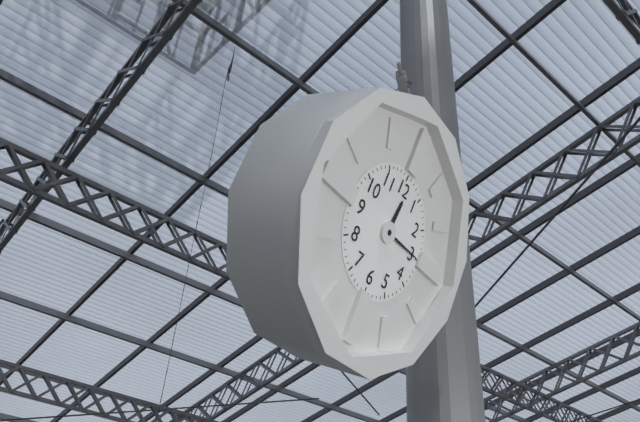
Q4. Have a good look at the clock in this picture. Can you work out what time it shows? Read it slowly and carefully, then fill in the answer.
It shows 12:15
